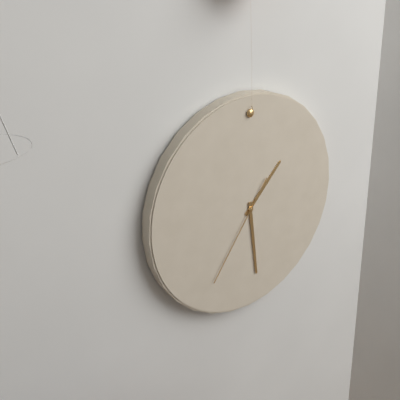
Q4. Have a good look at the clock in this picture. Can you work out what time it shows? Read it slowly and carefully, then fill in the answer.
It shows 1:29:36
